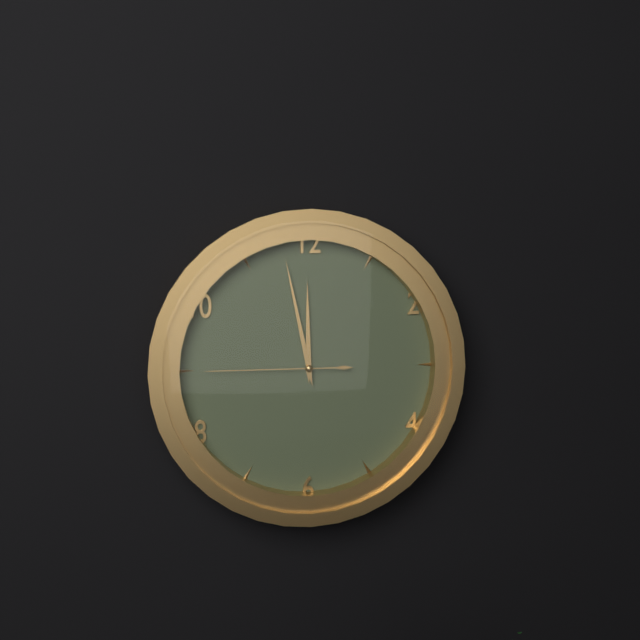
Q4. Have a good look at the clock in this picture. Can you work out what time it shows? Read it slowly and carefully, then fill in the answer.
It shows 11:58:45
